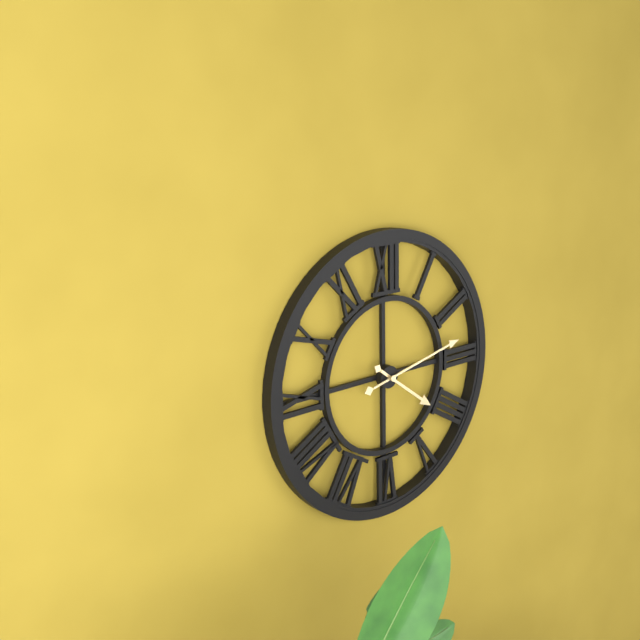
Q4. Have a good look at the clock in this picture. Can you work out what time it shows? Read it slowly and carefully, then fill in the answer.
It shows 4:13
